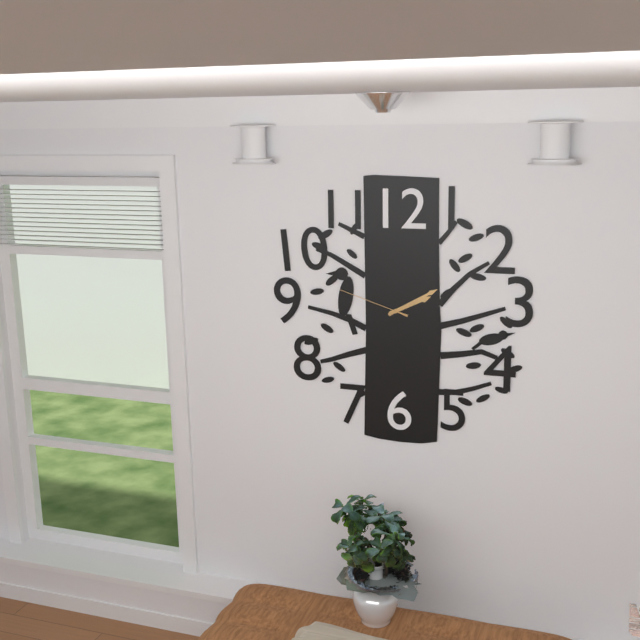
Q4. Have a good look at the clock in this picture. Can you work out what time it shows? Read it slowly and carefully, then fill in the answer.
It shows 2:10:48
